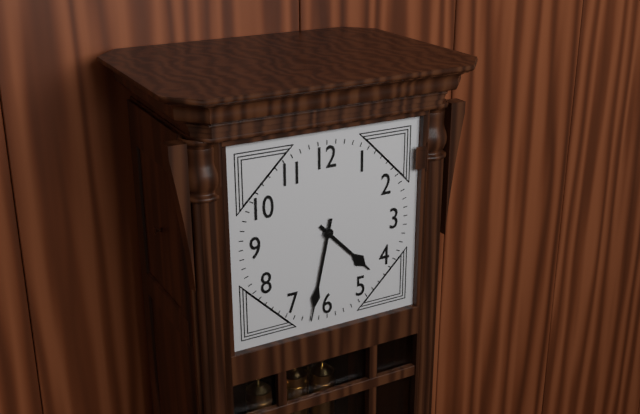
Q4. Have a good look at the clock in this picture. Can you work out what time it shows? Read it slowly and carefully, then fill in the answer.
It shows 4:32
